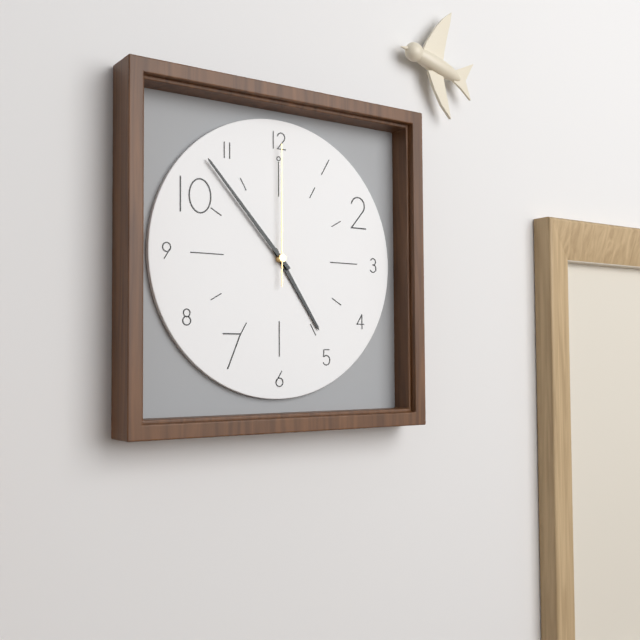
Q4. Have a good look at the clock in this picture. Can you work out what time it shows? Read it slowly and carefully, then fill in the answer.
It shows 4:53:00
